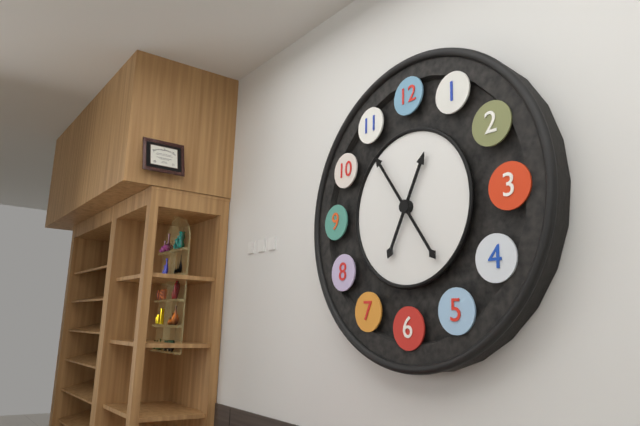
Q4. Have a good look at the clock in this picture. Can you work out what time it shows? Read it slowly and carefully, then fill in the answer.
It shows 12:54
